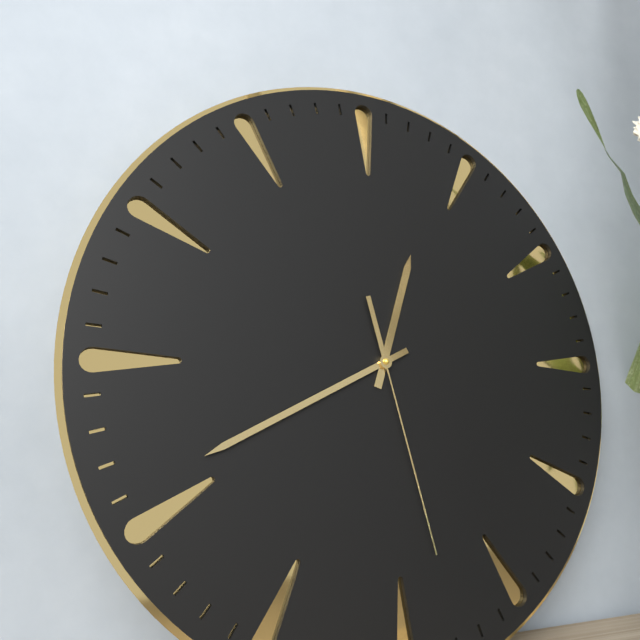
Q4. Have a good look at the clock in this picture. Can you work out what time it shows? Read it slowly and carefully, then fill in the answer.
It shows 12:41:28
